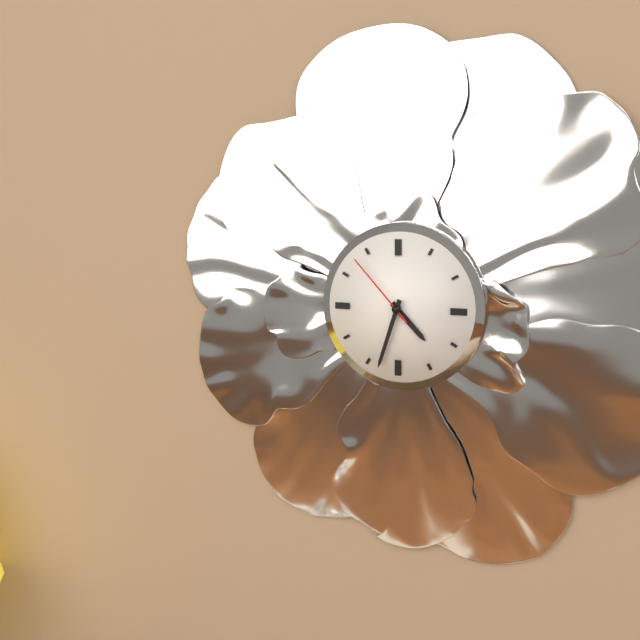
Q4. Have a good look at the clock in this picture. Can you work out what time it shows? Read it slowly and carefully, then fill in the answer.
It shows 4:33:53
